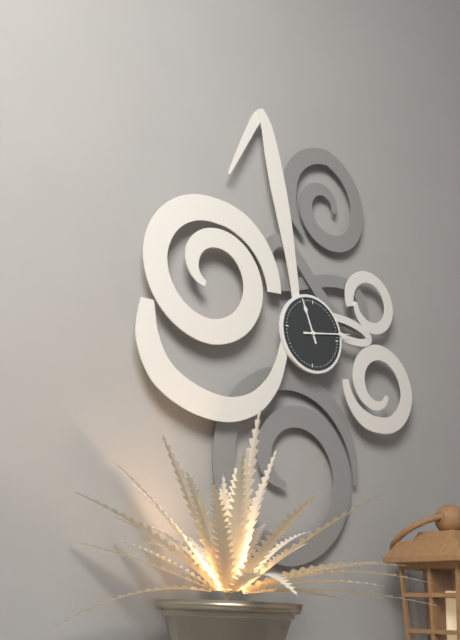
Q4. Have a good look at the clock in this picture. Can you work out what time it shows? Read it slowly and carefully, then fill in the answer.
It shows 11:13
